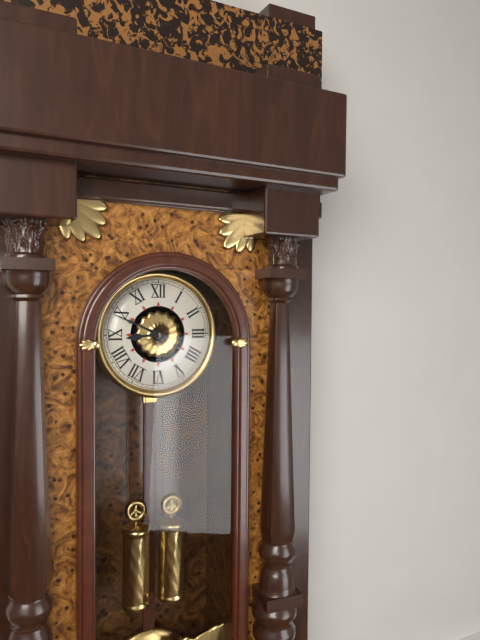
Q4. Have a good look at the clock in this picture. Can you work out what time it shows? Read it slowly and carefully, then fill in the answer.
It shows 8:49
